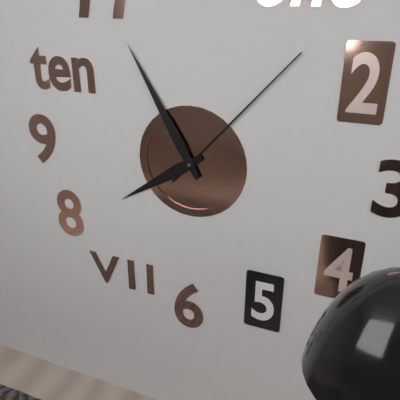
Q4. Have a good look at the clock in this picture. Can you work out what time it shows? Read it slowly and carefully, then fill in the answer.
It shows 7:55:07
